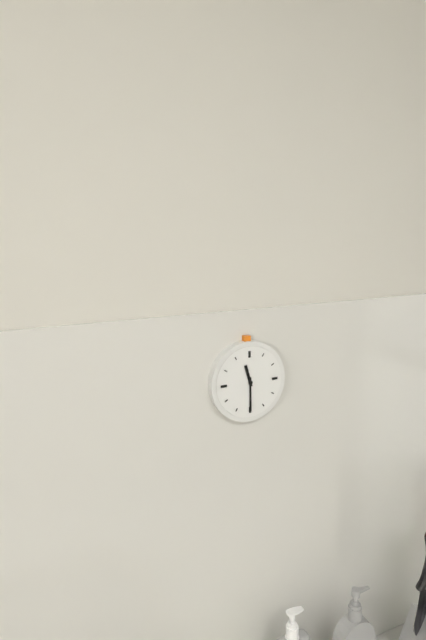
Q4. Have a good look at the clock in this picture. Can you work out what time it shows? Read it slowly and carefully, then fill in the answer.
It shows 11:30
